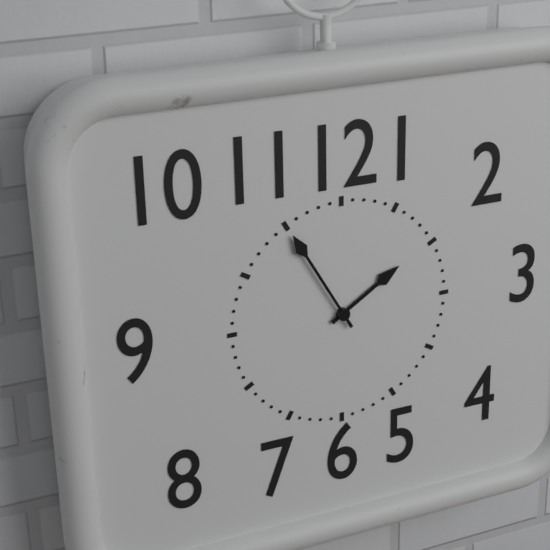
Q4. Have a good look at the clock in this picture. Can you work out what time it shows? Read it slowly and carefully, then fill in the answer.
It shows 1:55
